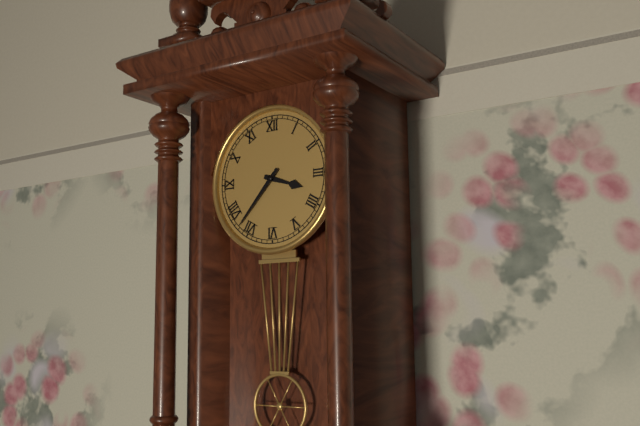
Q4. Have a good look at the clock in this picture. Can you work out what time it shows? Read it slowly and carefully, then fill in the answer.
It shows 3:37
